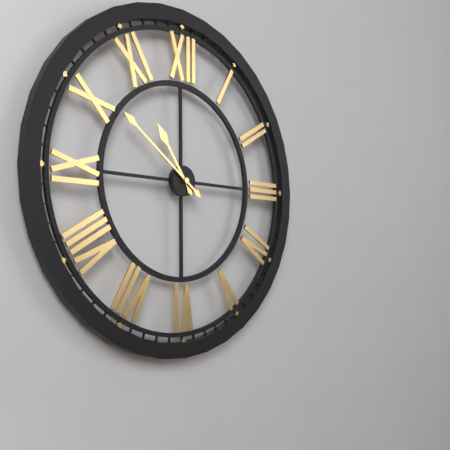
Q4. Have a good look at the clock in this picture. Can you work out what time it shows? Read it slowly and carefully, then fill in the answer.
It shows 10:51
